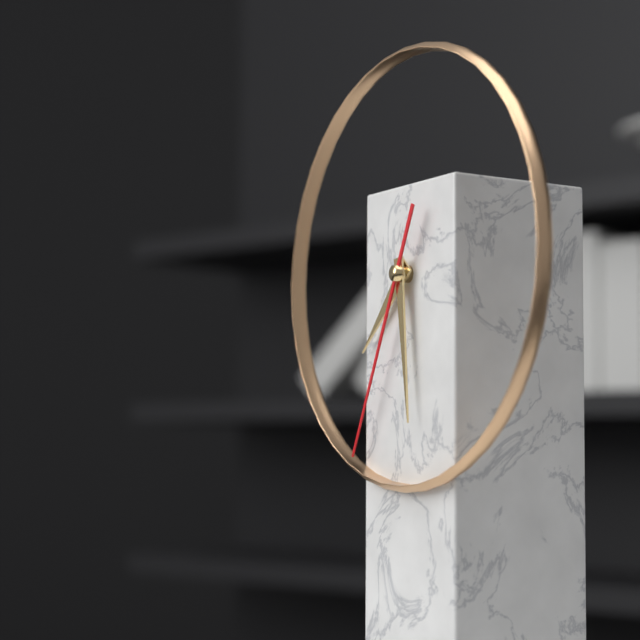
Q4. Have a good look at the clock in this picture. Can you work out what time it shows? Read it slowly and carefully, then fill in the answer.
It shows 7:29:34
